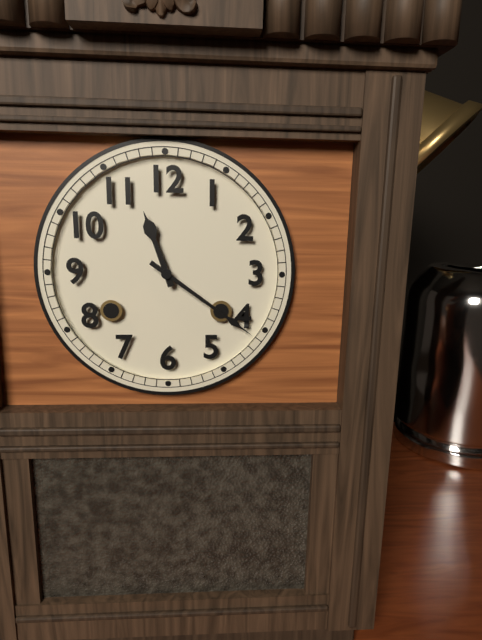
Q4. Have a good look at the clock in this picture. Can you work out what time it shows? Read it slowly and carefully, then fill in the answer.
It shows 11:21
